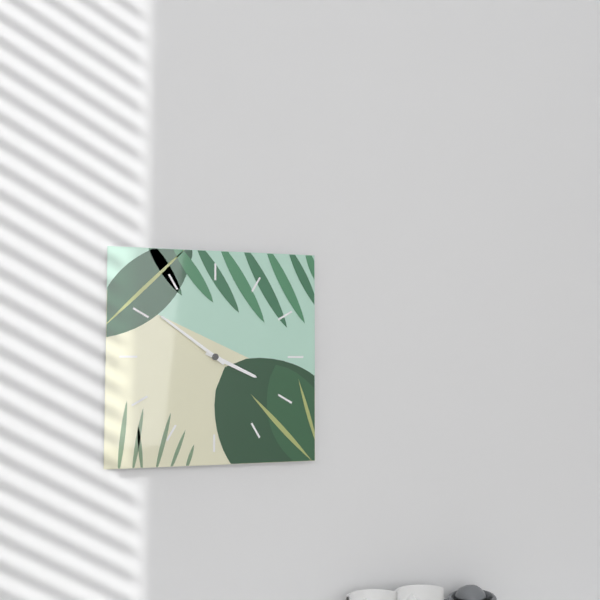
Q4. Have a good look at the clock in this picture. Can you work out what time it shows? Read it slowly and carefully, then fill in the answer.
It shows 3:51
